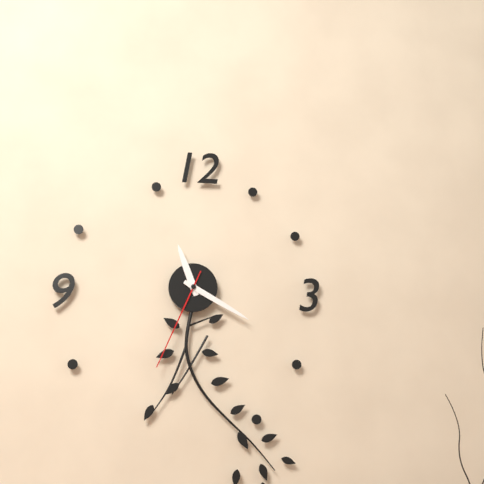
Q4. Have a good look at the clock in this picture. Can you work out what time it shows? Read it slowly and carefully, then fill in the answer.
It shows 11:20:34
